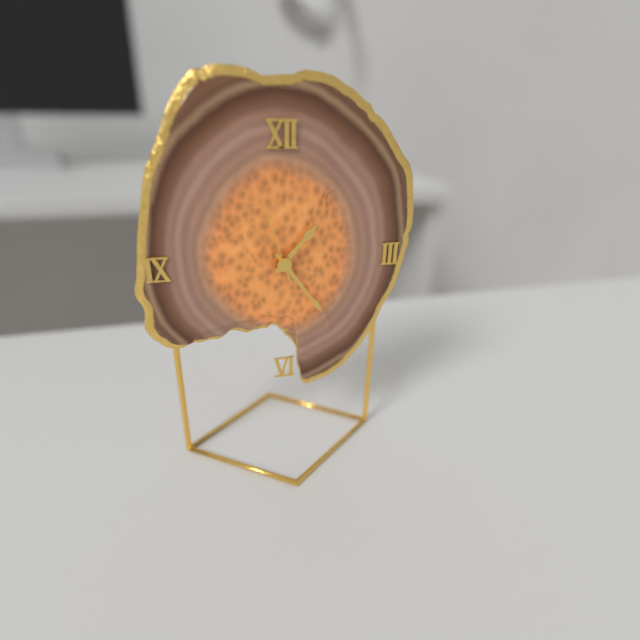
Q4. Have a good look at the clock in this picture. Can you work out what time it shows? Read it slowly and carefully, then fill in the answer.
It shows 1:24:57
